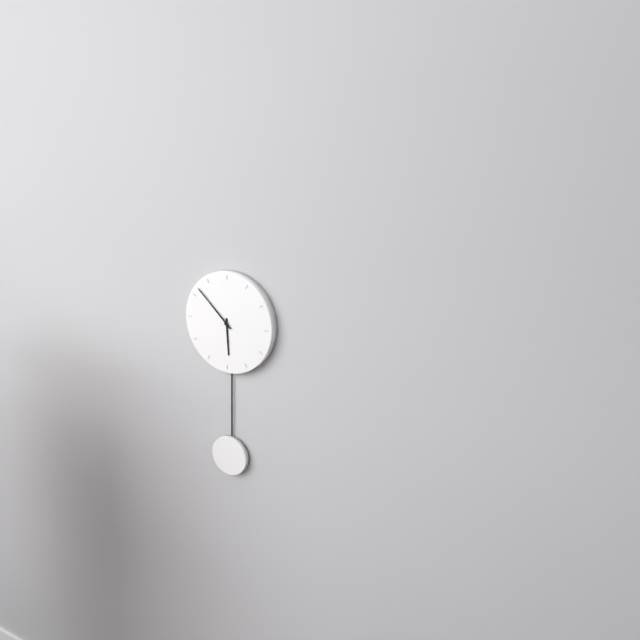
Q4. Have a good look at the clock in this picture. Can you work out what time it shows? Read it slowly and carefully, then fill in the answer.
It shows 5:52
